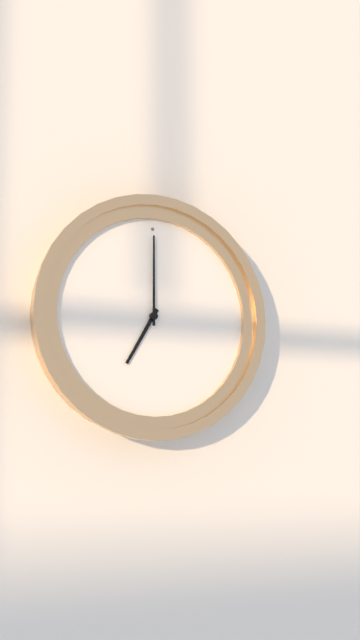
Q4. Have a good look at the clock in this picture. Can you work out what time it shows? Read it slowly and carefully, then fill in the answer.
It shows 7:00
